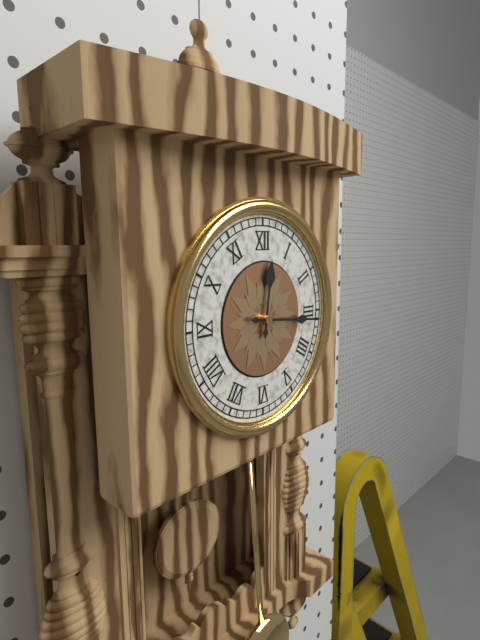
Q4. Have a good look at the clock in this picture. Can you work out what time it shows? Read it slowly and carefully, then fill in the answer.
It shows 12:16
